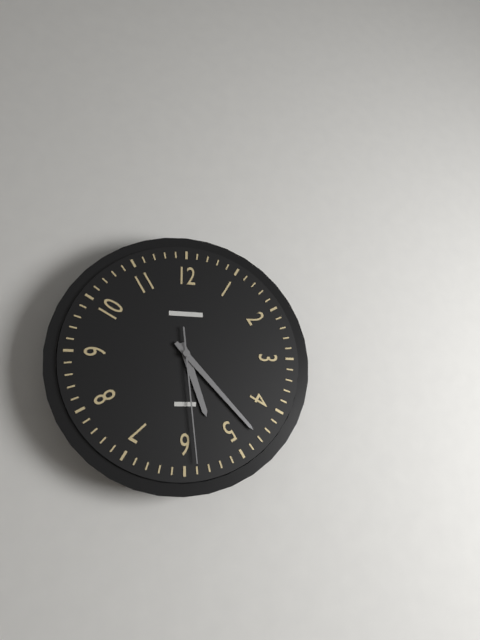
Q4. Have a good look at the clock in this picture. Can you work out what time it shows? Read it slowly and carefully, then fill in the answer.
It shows 5:23:29
